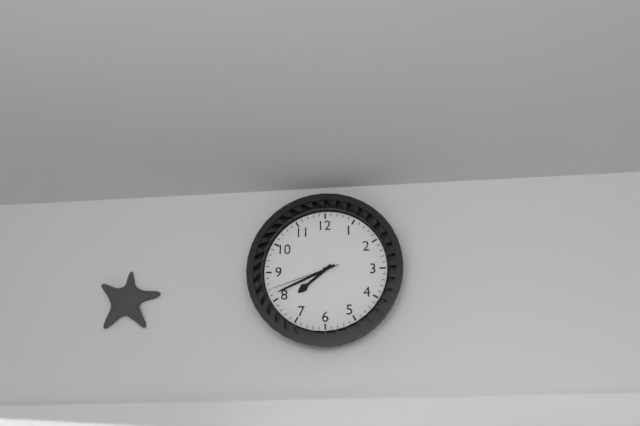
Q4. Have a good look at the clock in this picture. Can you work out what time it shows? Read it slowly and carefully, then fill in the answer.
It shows 7:41:42
